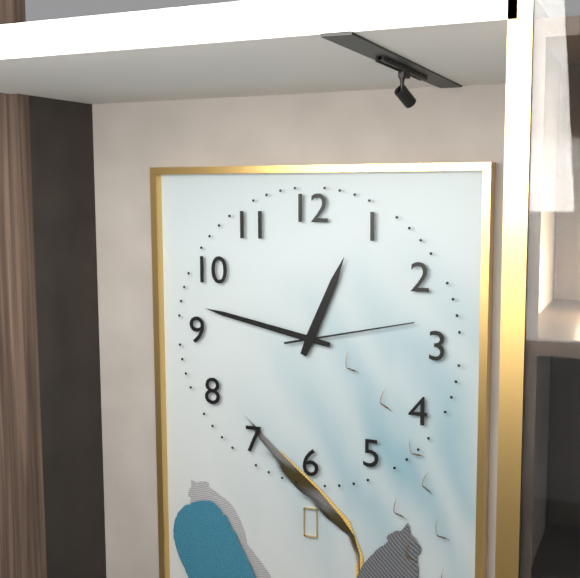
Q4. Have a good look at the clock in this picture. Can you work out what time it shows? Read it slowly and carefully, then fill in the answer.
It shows 12:47:13
